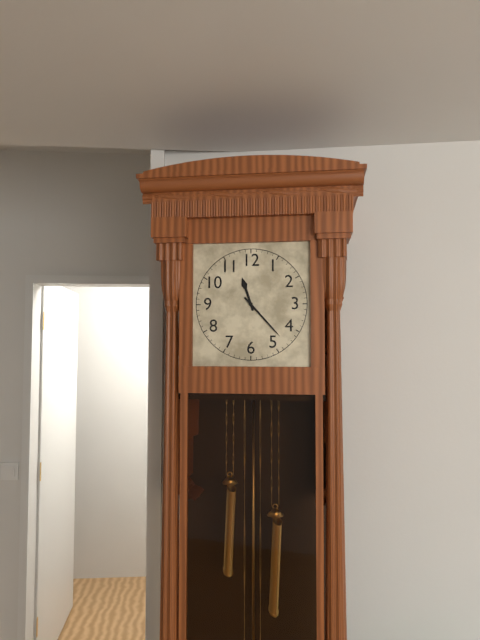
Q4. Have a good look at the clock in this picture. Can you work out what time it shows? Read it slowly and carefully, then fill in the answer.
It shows 11:23
